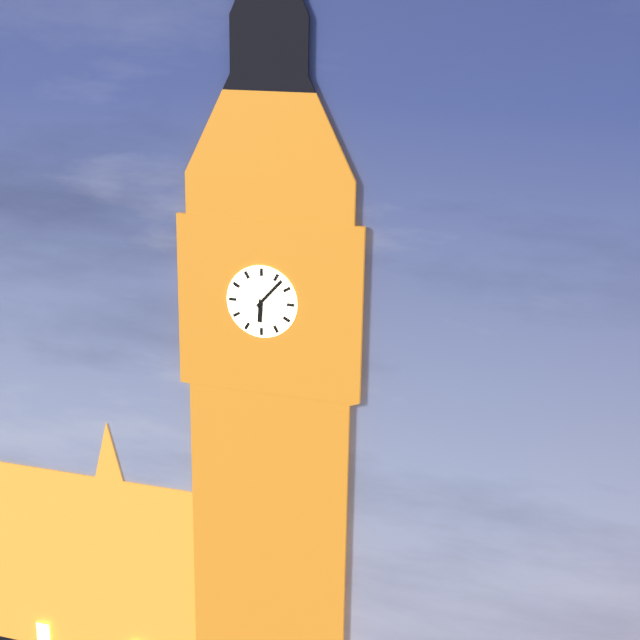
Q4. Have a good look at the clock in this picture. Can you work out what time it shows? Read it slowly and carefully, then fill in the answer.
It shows 6:07
